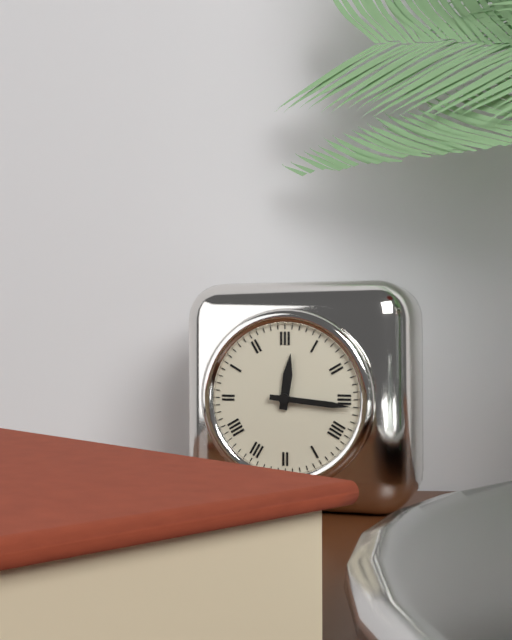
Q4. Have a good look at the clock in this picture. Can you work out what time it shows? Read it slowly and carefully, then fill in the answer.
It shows 12:16
